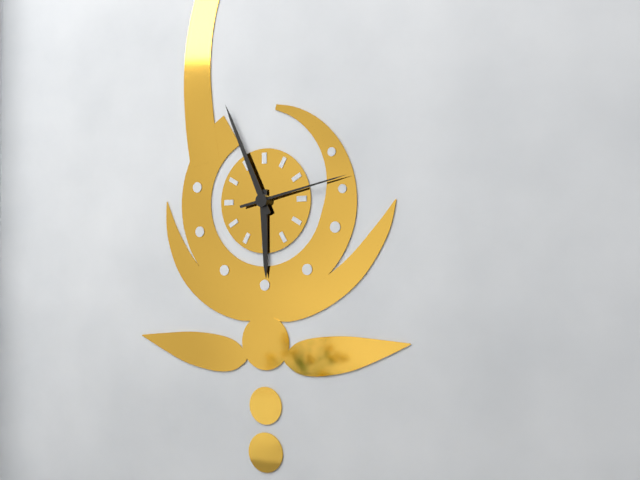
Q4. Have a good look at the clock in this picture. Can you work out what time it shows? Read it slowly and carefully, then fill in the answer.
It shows 5:56:13
